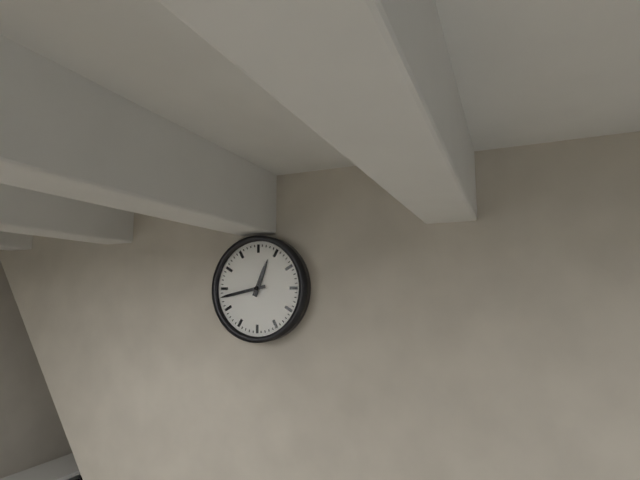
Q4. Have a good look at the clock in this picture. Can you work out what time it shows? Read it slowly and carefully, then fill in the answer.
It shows 12:43
